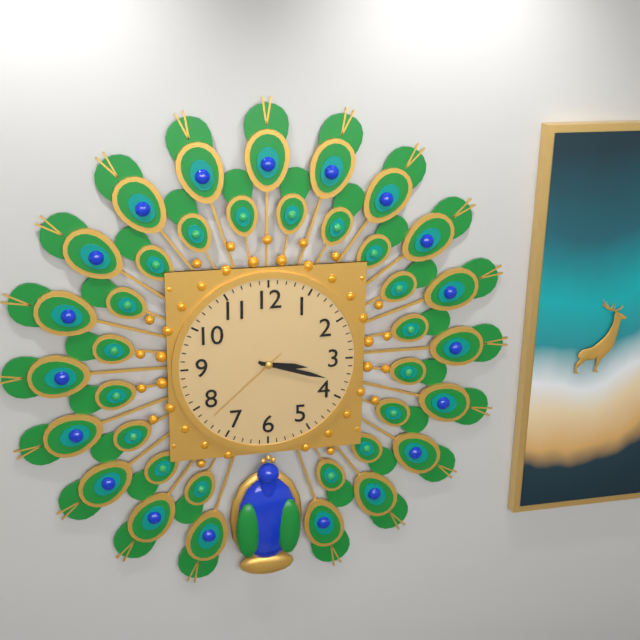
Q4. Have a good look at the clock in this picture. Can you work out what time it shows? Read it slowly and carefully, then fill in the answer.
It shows 3:18:38
